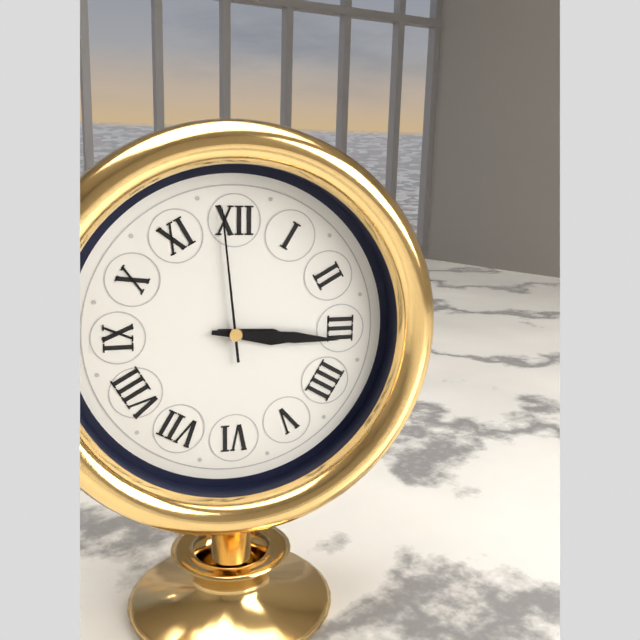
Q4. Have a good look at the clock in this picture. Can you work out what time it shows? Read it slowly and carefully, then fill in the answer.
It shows 3:16:59
